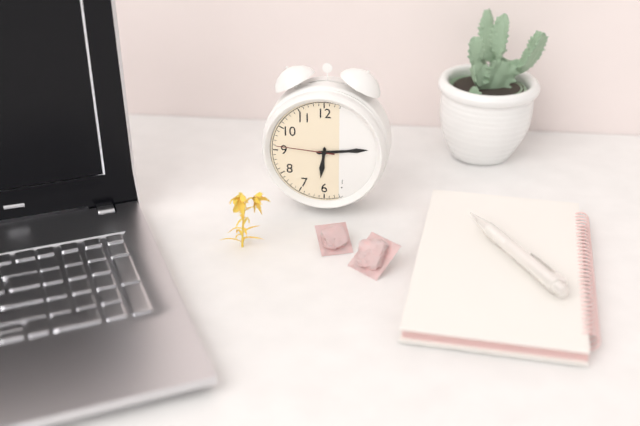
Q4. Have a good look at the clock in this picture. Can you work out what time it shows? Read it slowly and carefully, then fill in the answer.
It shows 6:14:46
